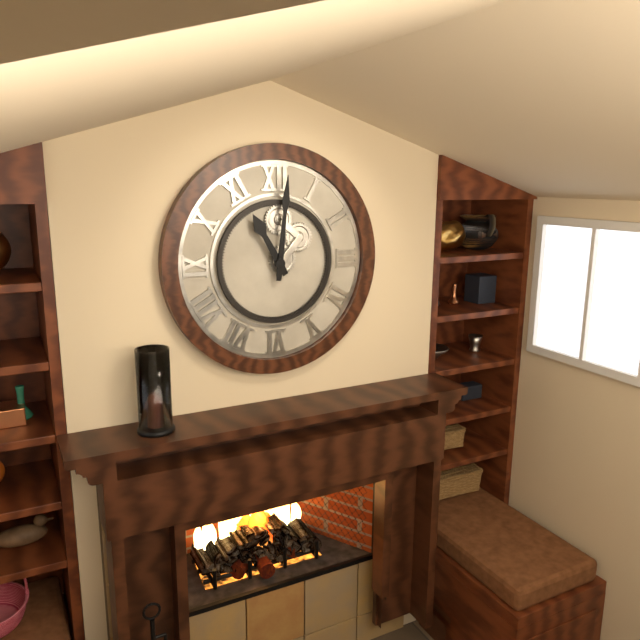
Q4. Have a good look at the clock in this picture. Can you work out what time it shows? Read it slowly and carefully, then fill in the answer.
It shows 11:01
